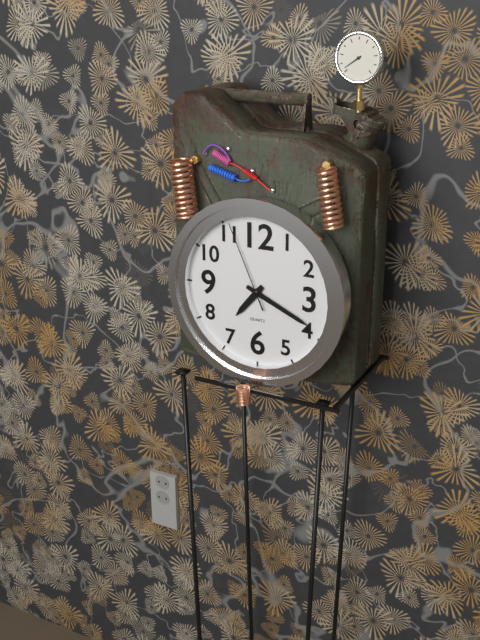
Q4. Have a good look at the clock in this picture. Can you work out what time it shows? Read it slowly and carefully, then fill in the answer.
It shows 7:19:56
